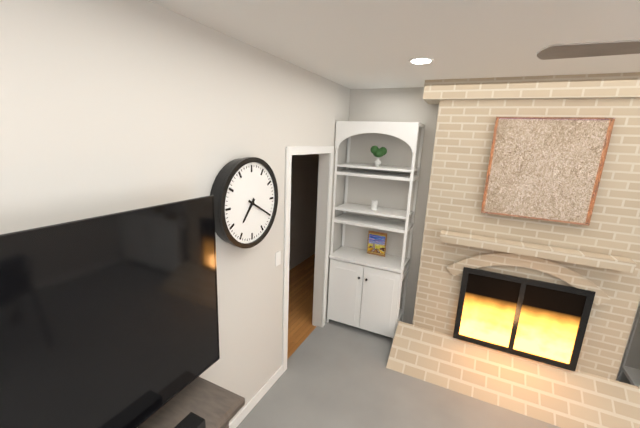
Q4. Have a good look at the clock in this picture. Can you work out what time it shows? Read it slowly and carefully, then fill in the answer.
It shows 7:20
